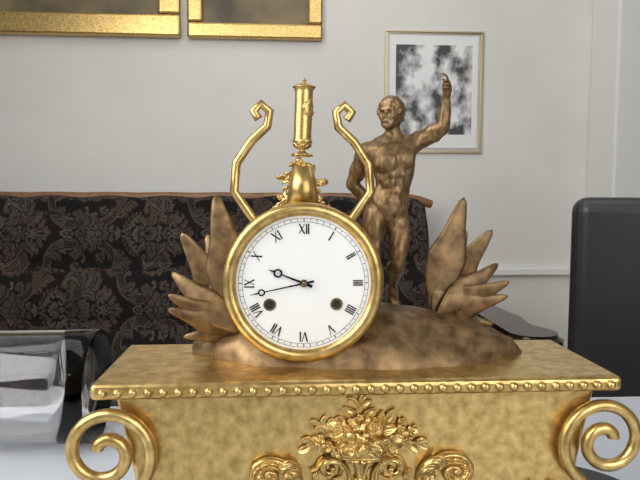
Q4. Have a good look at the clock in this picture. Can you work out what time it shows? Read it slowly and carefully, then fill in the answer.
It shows 9:43
